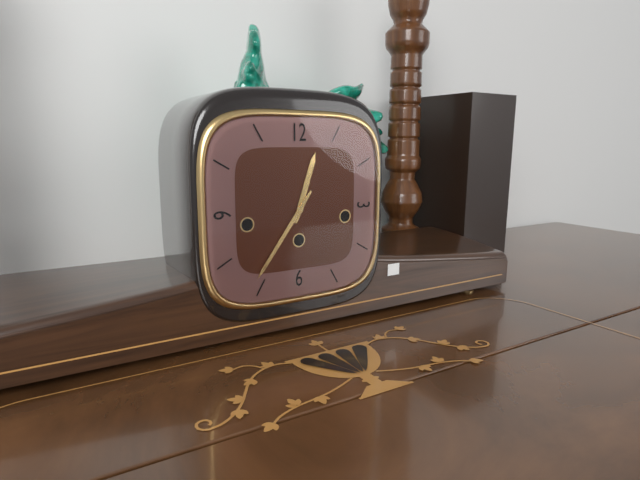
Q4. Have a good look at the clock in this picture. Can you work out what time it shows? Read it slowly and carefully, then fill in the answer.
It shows 12:36
